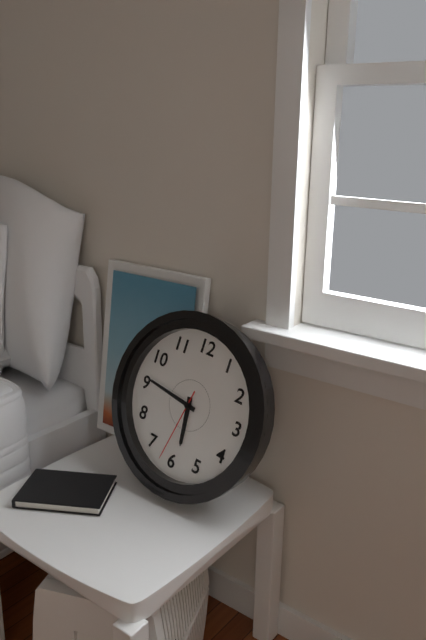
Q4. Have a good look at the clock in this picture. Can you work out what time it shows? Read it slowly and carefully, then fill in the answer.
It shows 5:46:32
